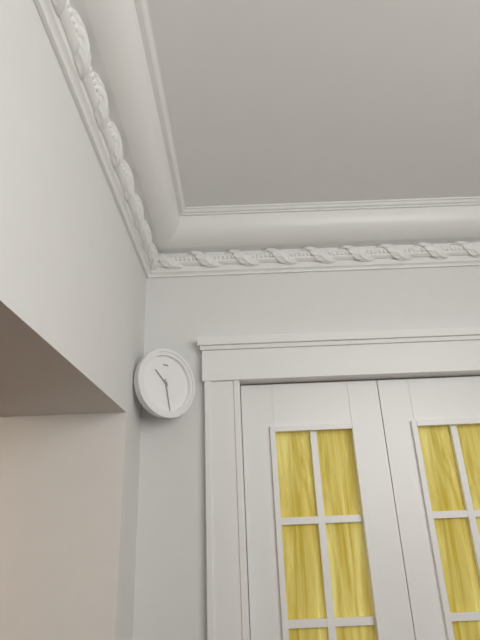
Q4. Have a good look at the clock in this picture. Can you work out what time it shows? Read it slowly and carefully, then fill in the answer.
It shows 10:28
